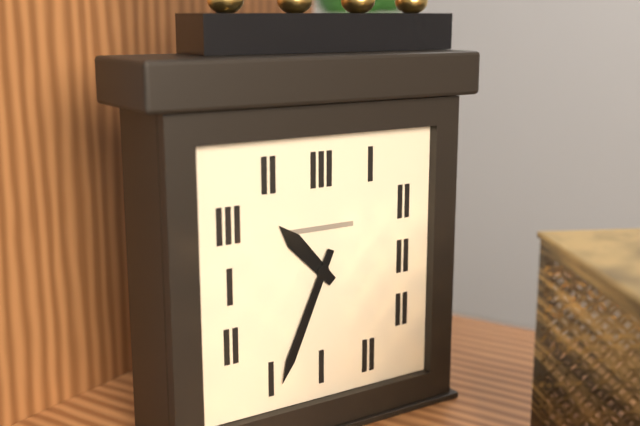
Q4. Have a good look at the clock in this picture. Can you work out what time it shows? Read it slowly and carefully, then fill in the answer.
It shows 10:34
